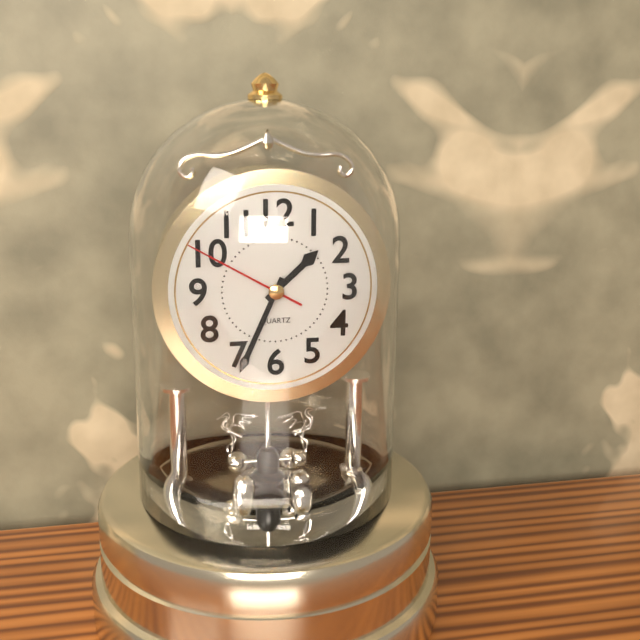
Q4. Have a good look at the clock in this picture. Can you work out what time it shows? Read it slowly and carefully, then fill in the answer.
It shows 1:34:50
